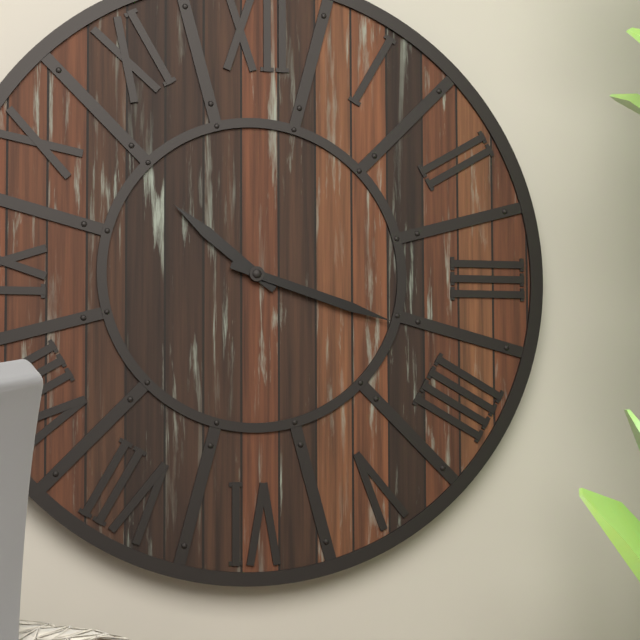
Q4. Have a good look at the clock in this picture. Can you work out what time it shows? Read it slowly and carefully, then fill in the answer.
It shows 10:18
